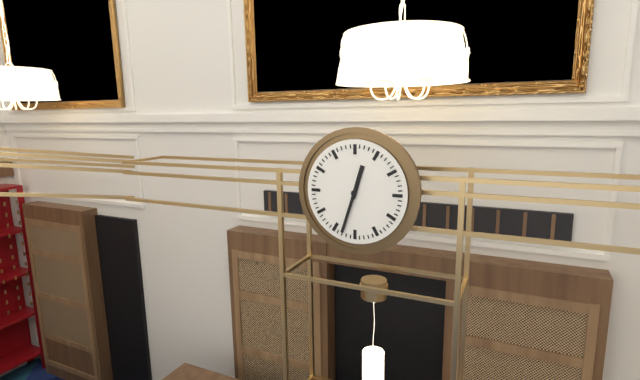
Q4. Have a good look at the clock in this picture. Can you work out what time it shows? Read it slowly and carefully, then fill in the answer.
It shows 12:33
